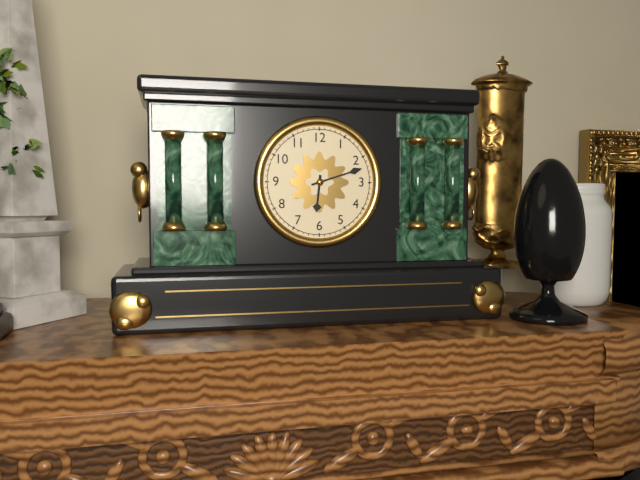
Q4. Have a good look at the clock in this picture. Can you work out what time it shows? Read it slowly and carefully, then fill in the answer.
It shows 6:12
